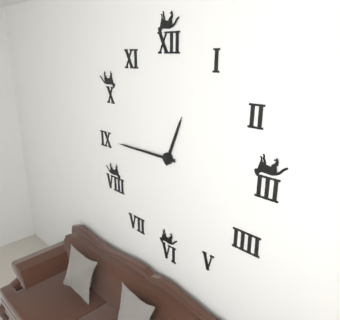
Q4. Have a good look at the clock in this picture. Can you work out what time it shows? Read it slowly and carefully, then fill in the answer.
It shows 12:45
